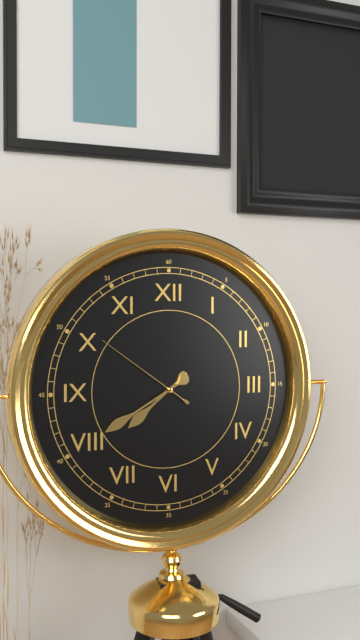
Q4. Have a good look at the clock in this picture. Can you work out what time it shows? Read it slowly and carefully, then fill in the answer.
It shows 7:40:51
